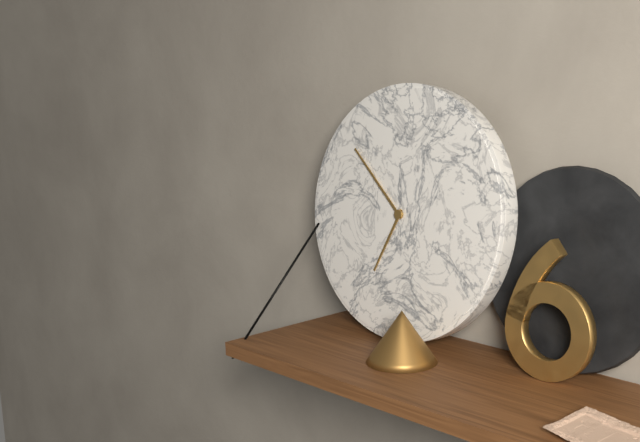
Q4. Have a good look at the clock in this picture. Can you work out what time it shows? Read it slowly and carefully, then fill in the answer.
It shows 6:52
